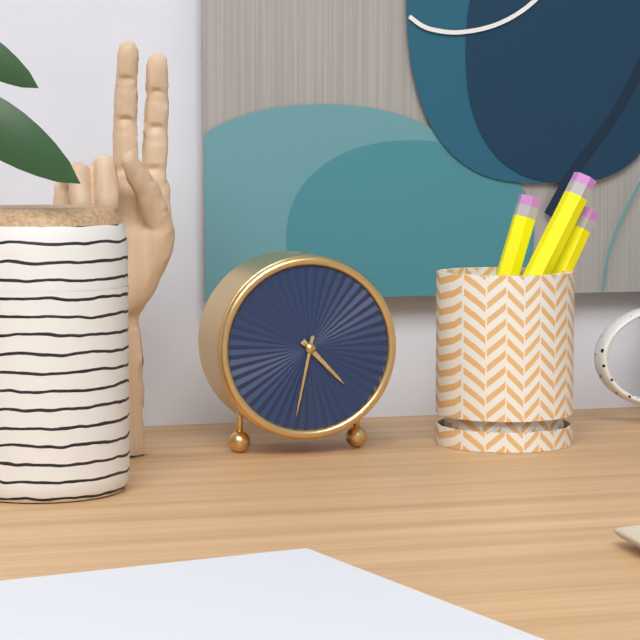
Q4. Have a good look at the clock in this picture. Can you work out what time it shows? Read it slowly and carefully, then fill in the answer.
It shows 4:32
